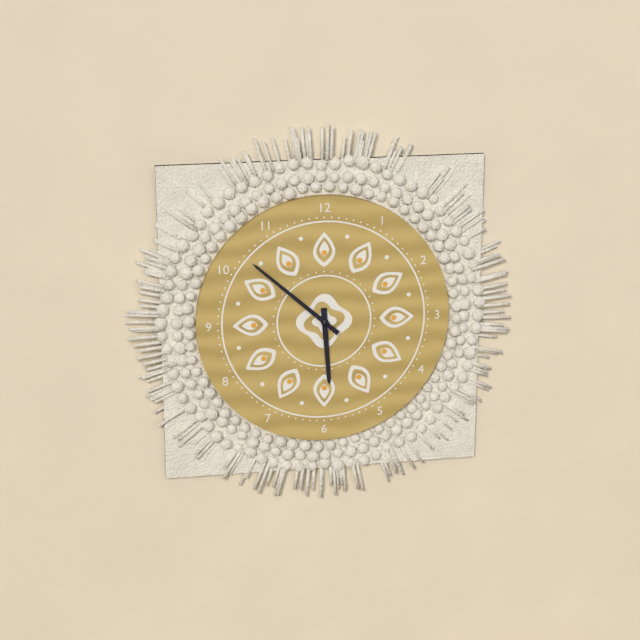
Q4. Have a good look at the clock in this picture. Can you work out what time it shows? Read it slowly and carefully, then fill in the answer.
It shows 5:52
